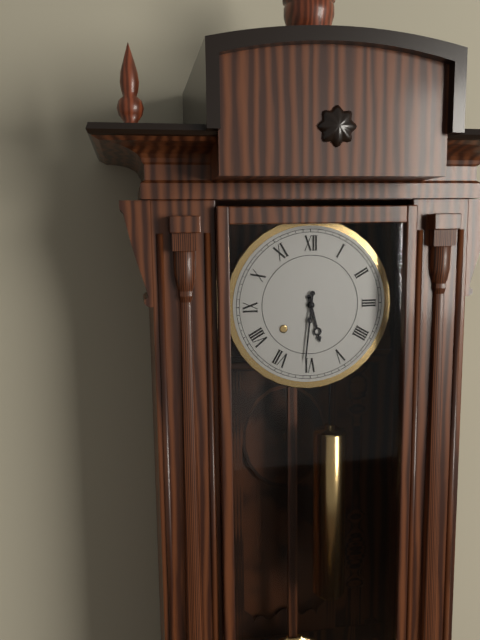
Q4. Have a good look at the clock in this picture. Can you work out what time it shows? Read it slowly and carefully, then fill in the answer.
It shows 5:31
